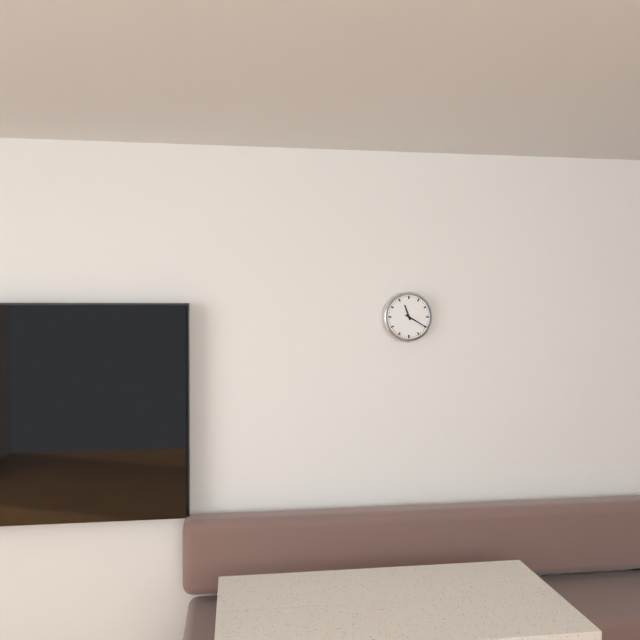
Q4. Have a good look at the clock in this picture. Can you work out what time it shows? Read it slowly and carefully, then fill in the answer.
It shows 11:20
